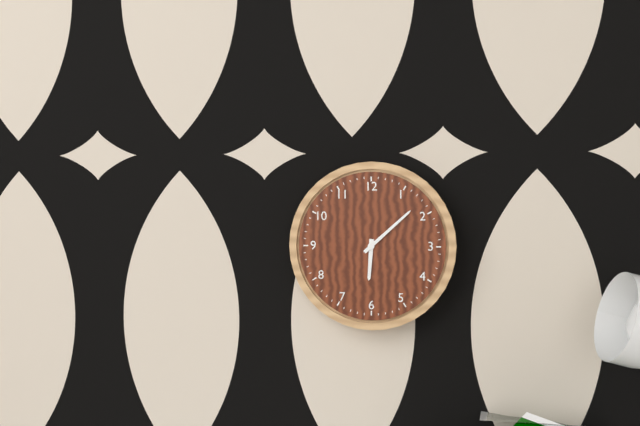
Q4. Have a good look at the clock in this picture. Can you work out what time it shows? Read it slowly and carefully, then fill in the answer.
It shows 6:08
